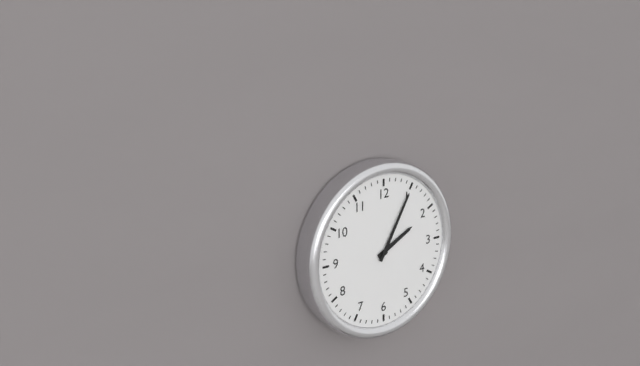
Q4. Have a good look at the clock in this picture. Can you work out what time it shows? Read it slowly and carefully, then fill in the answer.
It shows 2:05
